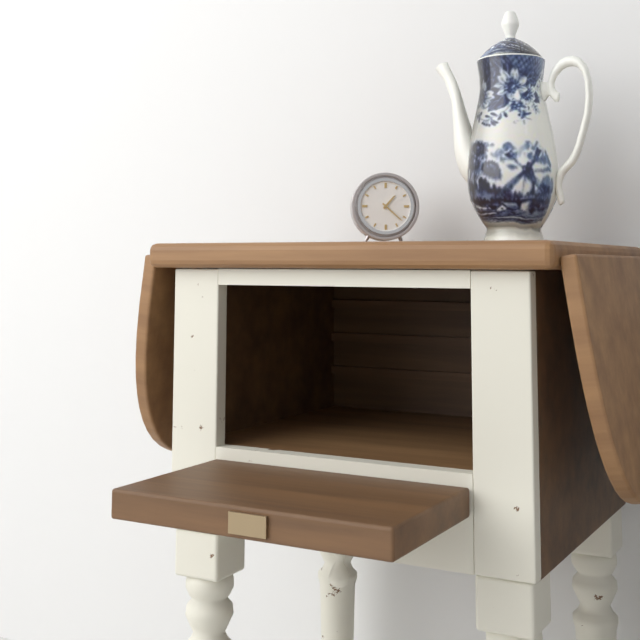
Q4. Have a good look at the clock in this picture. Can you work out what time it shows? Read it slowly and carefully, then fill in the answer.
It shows 1:22
